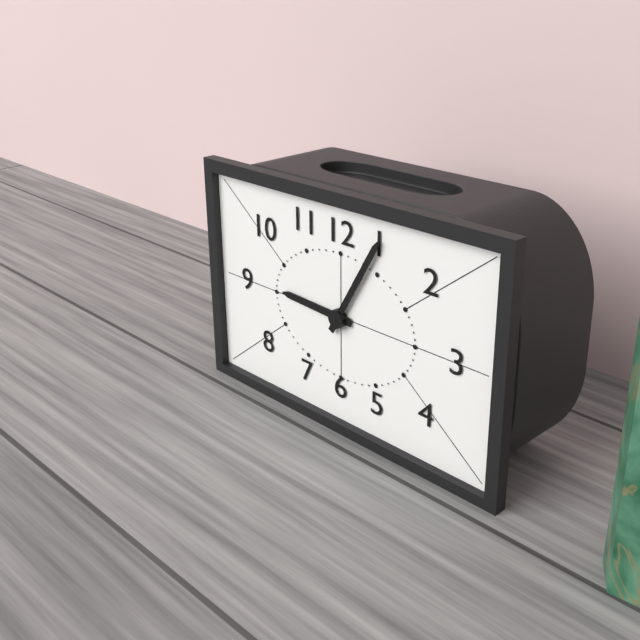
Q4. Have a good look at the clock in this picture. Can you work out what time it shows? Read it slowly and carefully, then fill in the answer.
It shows 9:05
